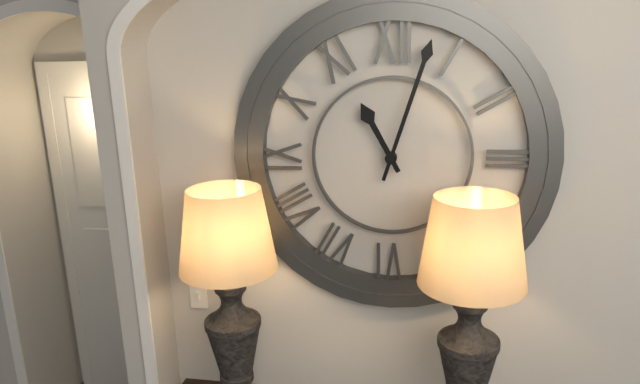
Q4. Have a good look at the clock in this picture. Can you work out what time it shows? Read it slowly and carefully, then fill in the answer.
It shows 11:03
